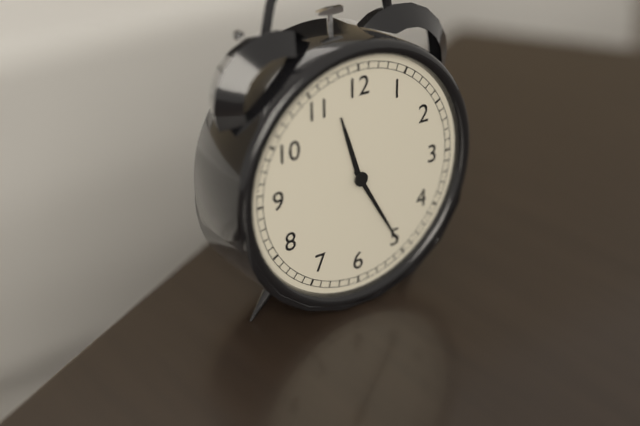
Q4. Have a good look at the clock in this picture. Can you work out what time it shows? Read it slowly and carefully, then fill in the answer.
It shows 11:25
